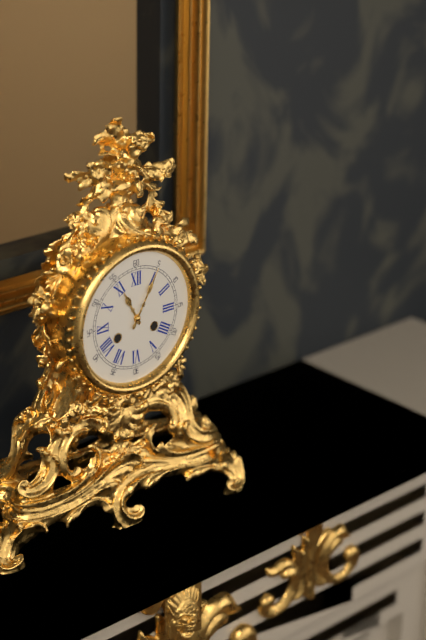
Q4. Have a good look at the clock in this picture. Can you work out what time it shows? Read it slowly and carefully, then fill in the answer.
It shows 11:05
